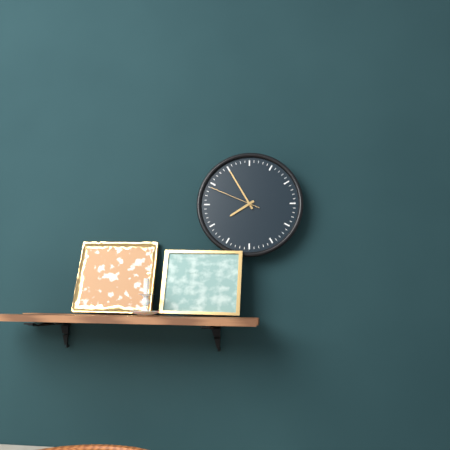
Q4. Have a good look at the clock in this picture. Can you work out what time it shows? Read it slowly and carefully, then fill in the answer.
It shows 7:55:49
